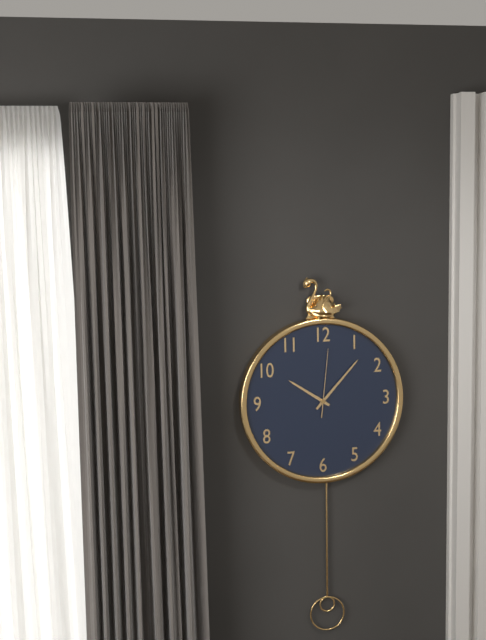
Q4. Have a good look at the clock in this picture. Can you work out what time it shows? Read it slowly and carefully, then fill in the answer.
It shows 10:07:01
